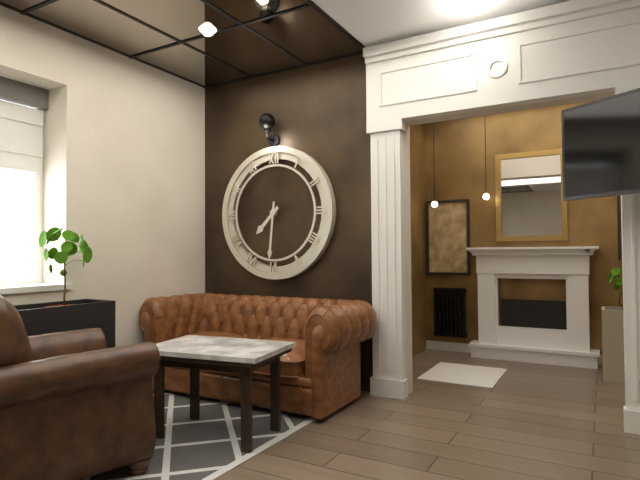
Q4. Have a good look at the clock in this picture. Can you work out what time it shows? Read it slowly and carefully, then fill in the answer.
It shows 7:31
